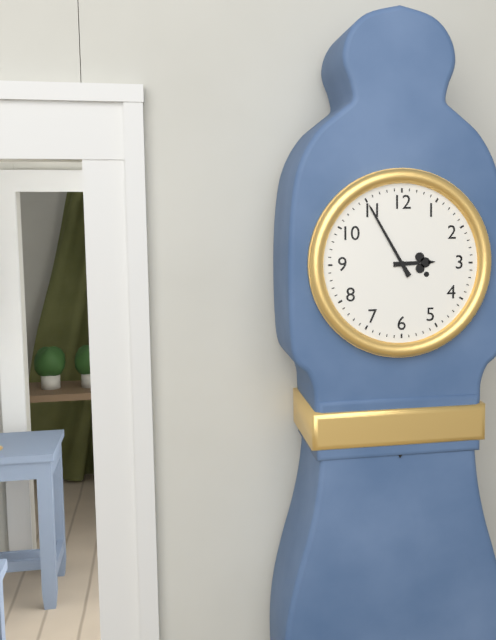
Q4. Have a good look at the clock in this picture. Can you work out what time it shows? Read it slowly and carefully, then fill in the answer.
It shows 2:55
